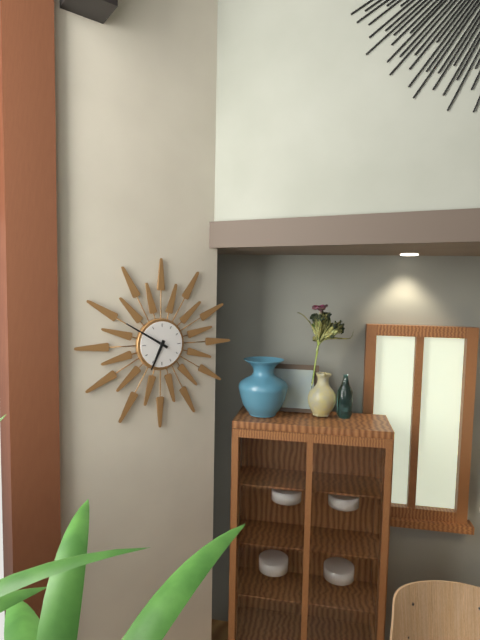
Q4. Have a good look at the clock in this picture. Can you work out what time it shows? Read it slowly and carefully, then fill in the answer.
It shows 6:50
